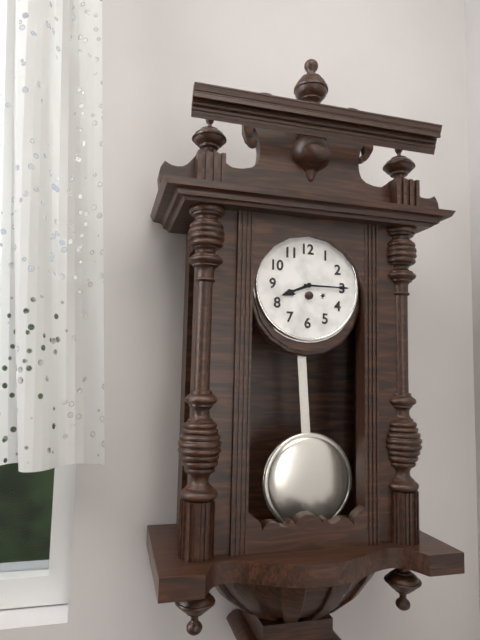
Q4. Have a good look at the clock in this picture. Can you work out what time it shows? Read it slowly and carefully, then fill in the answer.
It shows 8:15
